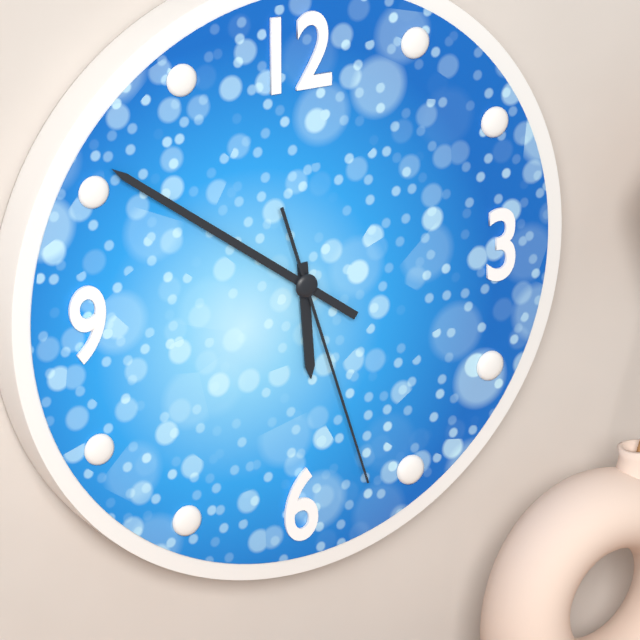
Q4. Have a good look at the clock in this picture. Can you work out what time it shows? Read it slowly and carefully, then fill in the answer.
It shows 5:51:27
